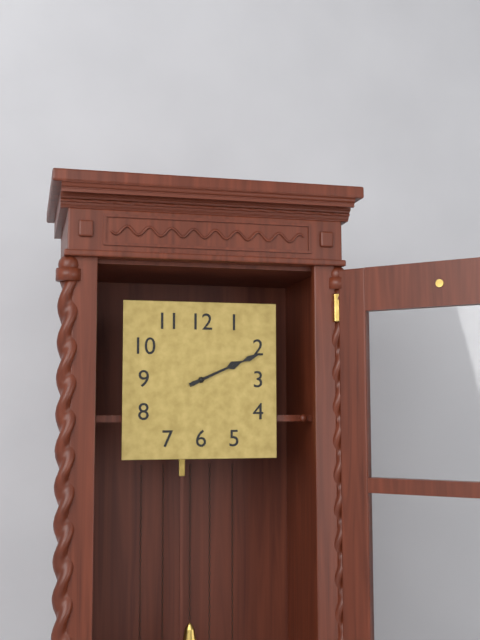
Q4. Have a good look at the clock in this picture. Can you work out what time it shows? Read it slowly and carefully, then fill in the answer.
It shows 2:11
